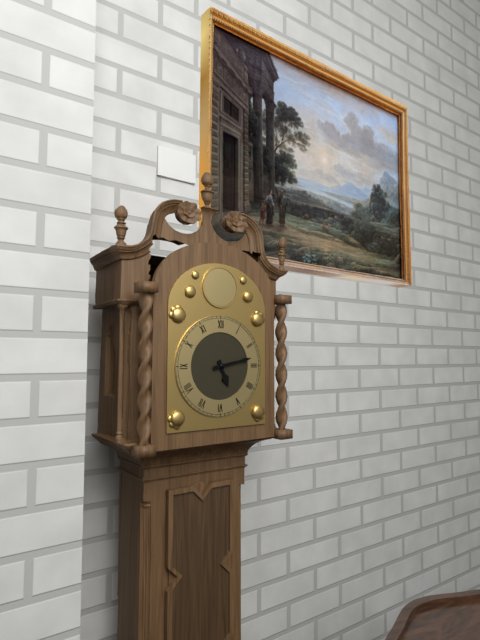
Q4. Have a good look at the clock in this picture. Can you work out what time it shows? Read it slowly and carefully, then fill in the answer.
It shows 5:13
